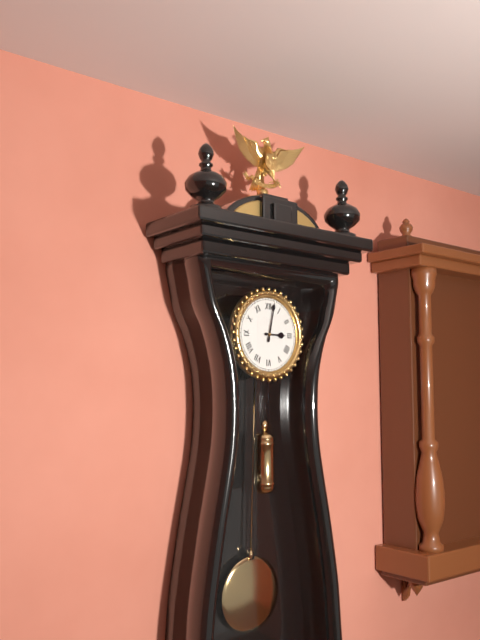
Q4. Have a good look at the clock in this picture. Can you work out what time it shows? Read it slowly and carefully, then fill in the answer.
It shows 3:02
